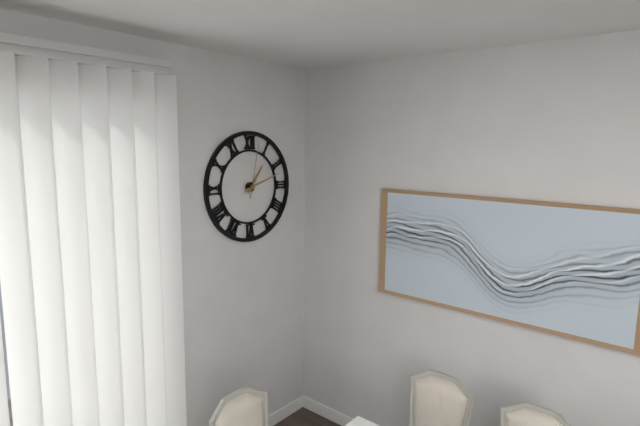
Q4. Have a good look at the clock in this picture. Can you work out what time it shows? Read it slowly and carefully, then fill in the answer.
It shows 1:12:02
